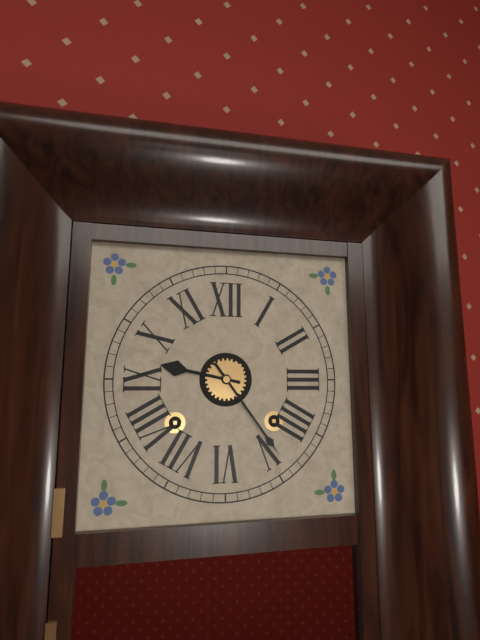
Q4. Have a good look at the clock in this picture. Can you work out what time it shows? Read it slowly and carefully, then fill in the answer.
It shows 9:24
